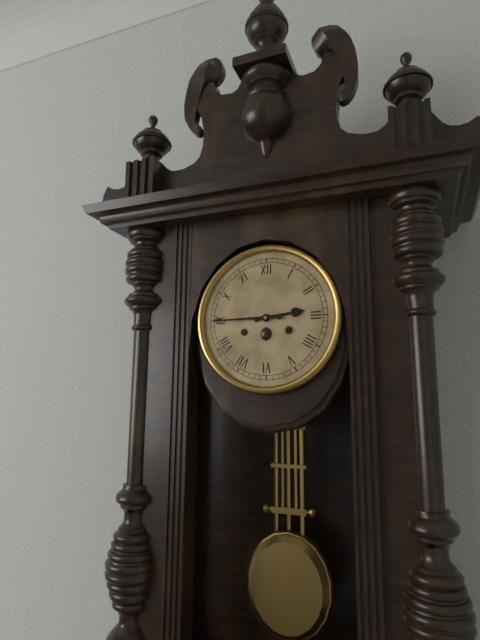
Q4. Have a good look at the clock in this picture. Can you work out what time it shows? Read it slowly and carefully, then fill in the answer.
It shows 2:45
